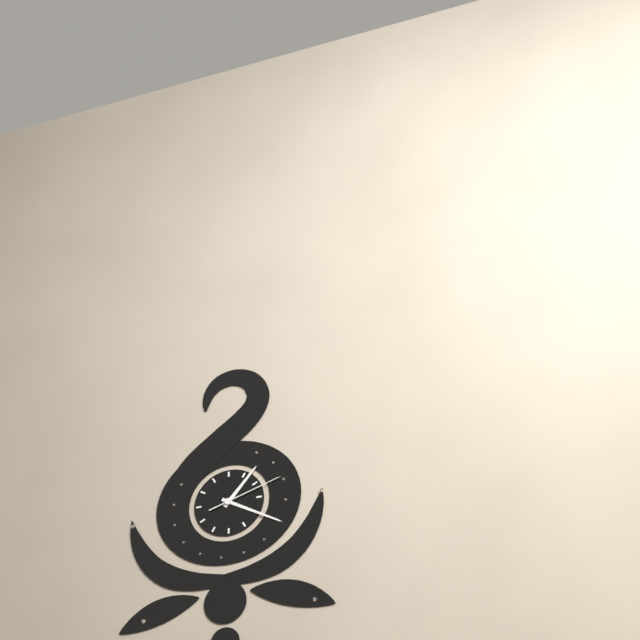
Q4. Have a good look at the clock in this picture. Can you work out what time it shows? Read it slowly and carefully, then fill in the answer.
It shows 1:20:12
